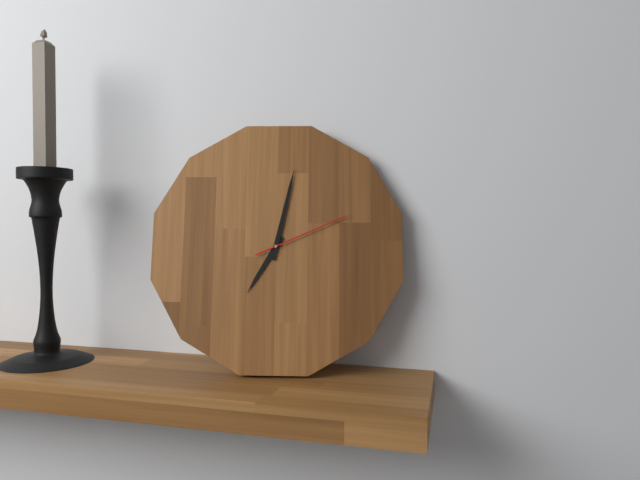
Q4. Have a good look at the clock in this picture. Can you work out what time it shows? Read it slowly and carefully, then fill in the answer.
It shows 7:02:11
